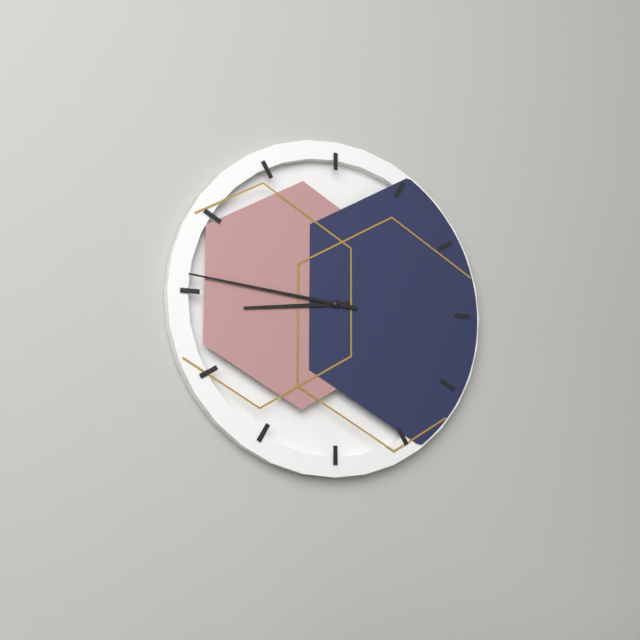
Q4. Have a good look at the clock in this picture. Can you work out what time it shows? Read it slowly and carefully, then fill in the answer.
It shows 8:46
